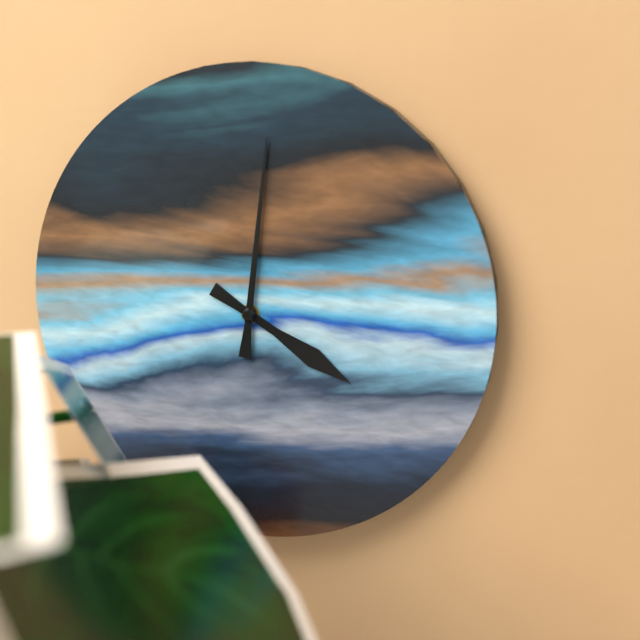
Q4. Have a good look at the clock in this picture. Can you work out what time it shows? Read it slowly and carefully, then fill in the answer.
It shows 4:01
